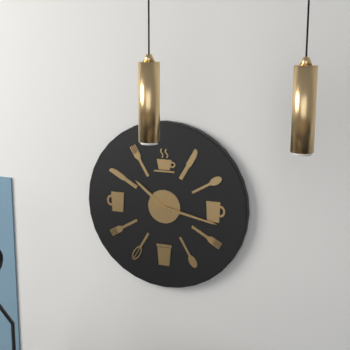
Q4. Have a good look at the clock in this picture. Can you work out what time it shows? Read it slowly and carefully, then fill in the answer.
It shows 10:17
